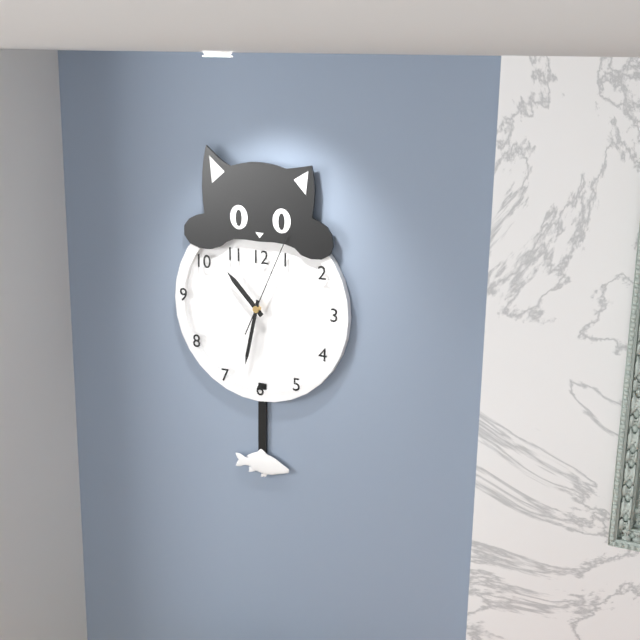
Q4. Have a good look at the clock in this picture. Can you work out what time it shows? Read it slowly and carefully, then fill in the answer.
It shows 10:32:04
